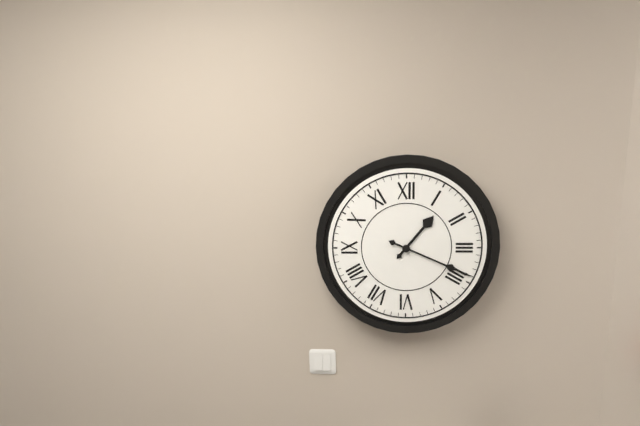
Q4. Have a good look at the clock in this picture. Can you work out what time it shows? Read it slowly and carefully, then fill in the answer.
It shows 1:19
